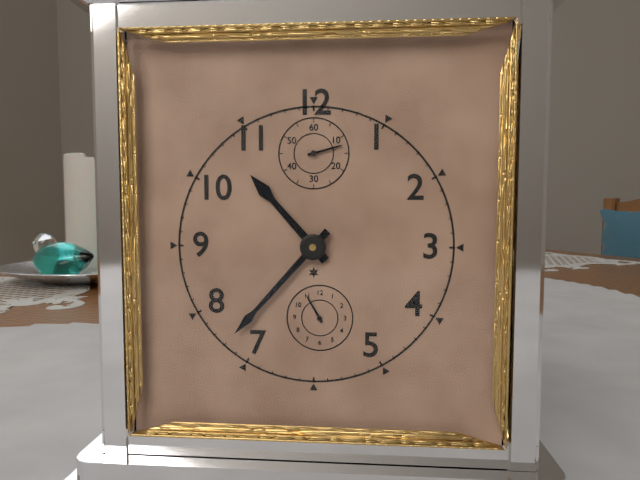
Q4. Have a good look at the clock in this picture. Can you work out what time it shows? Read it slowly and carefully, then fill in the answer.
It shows 10:37
